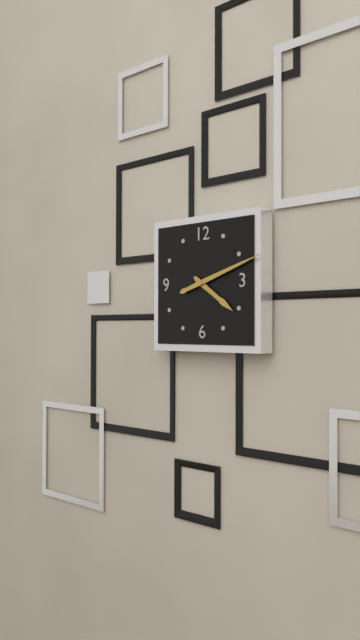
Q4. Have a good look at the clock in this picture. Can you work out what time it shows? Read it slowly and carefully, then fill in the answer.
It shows 4:12
